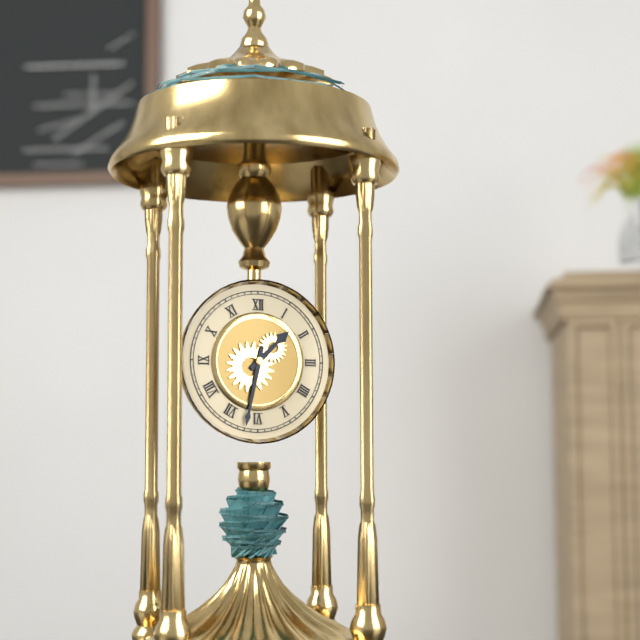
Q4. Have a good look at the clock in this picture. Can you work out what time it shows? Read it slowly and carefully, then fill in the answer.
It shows 1:32
